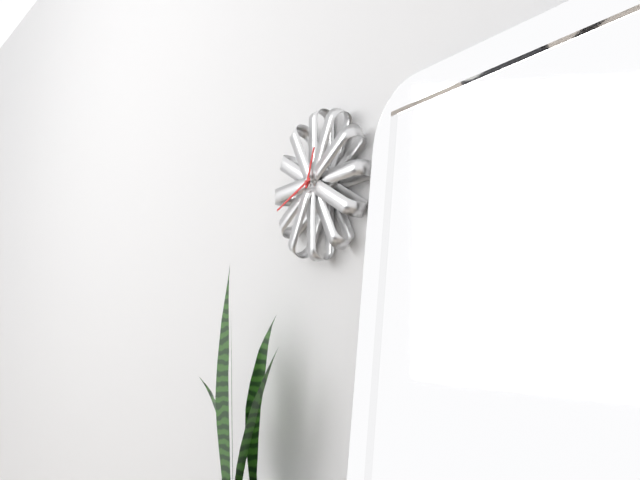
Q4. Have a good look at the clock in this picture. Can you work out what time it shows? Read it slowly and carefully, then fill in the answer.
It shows 12:42
